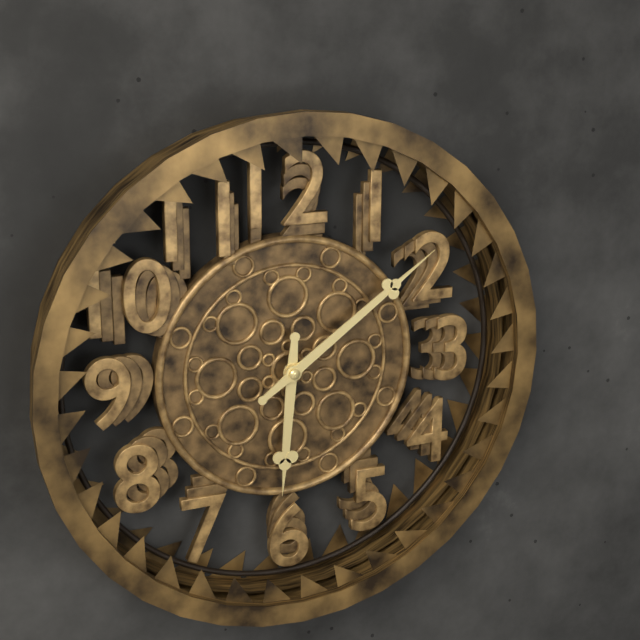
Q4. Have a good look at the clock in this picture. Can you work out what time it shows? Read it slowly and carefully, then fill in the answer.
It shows 6:09
